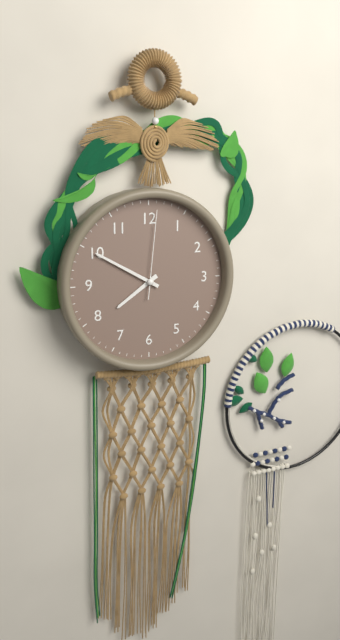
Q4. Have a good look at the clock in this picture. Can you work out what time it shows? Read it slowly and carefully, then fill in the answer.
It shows 7:50:01
